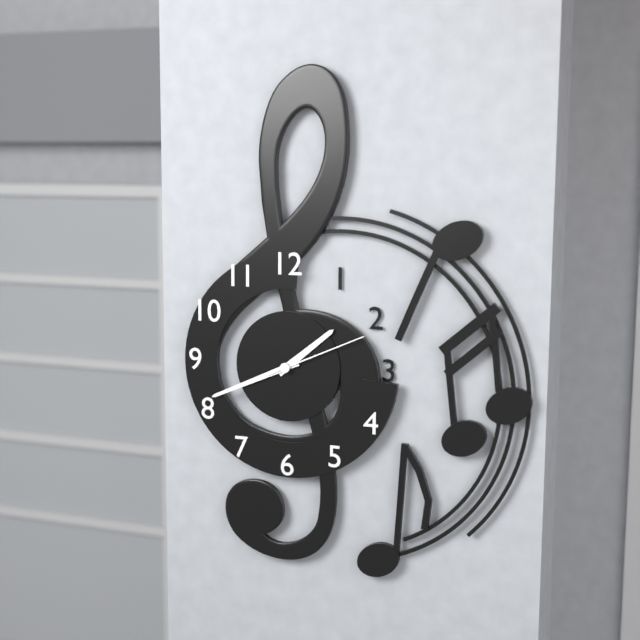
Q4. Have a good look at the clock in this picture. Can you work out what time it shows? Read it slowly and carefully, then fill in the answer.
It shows 1:41:11
